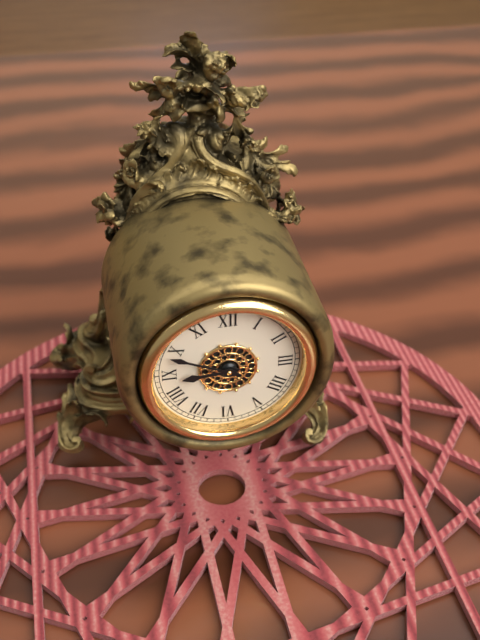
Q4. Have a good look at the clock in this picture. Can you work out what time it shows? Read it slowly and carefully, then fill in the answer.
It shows 8:49
